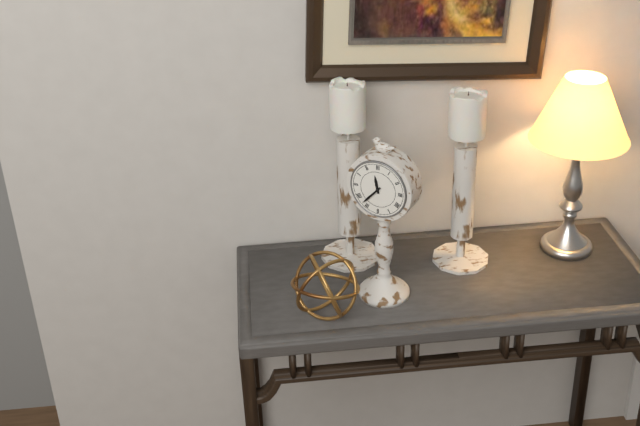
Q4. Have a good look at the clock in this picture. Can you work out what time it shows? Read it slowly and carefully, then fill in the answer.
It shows 11:37
